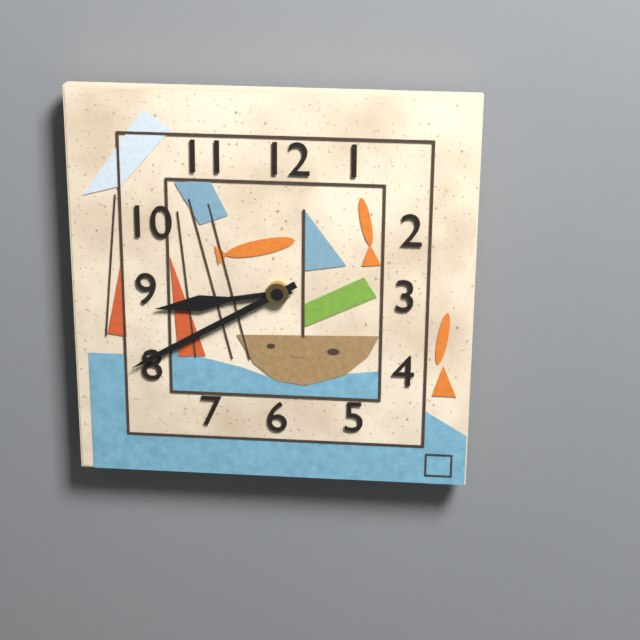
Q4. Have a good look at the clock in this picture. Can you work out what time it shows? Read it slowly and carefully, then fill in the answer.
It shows 8:40
